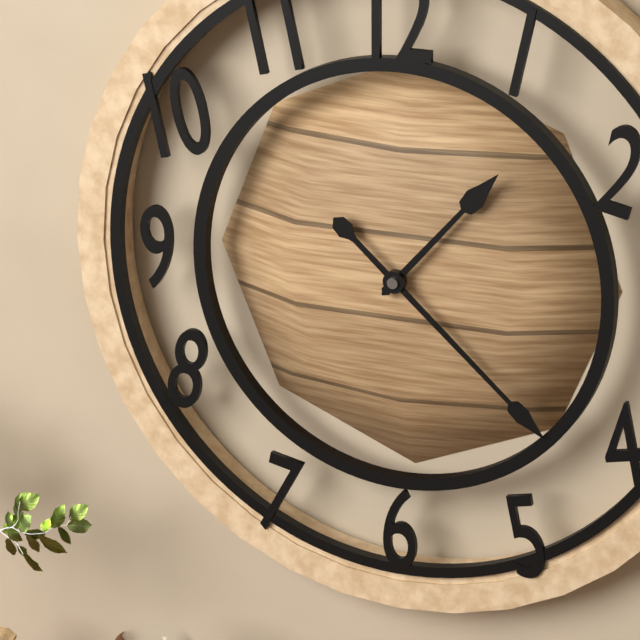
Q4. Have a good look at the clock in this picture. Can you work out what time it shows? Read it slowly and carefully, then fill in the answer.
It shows 1:22
